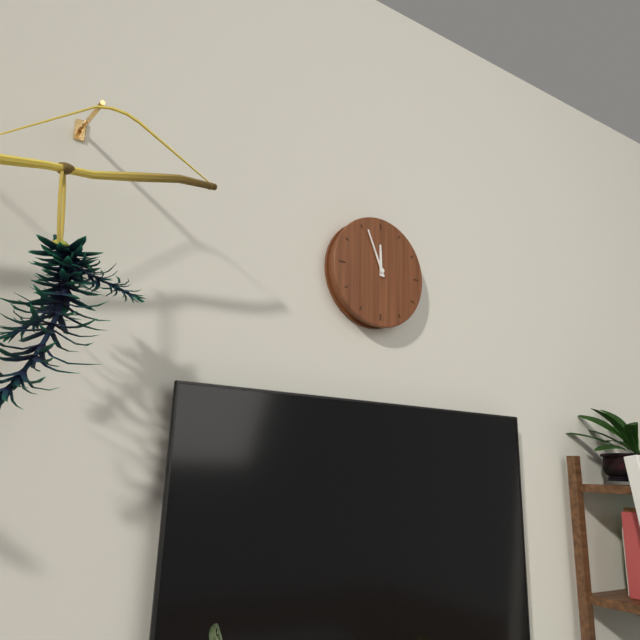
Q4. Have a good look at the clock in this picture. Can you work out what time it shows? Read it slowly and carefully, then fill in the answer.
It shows 11:56
